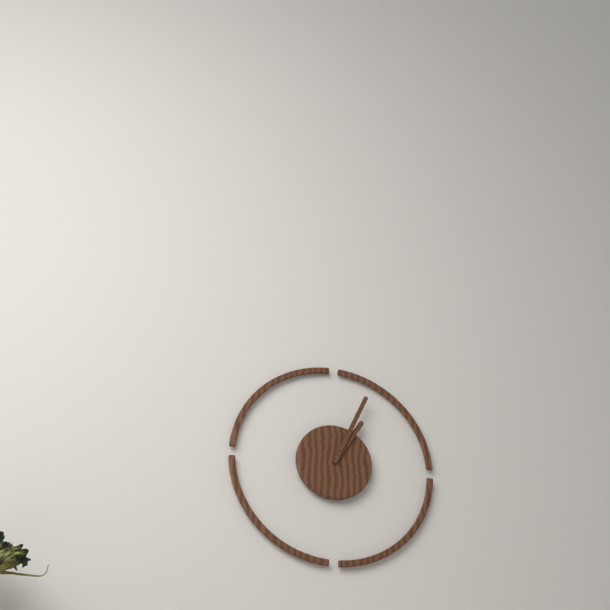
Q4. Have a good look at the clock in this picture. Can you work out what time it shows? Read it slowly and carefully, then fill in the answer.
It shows 1:04
